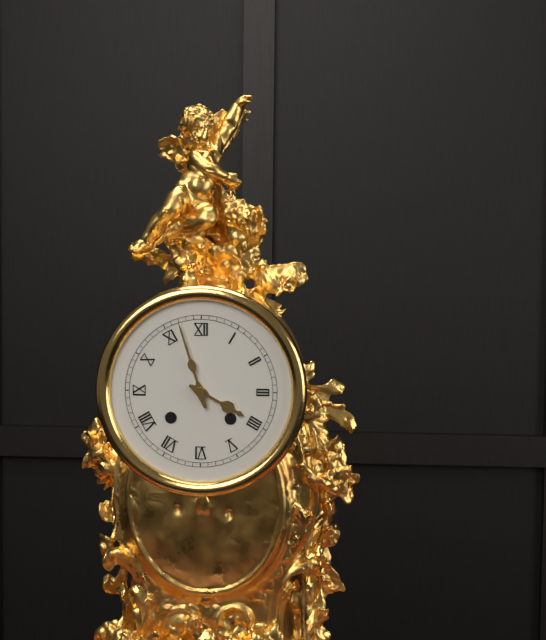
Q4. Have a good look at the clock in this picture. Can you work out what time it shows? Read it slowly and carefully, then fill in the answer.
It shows 3:57
